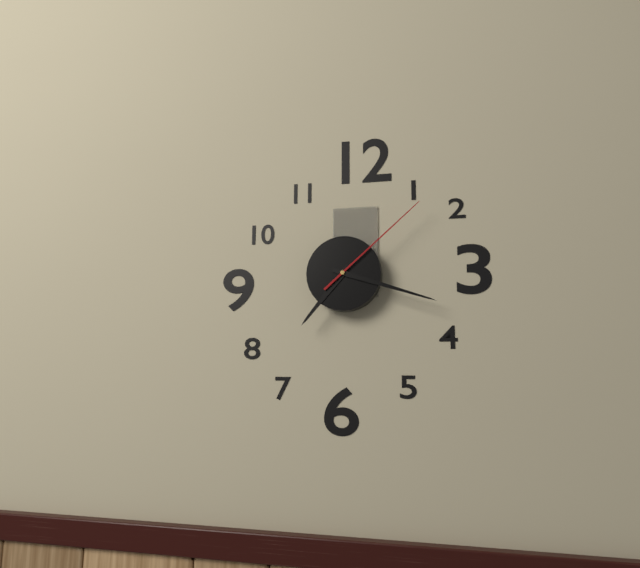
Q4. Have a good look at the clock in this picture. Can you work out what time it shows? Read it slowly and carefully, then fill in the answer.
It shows 7:18:08
